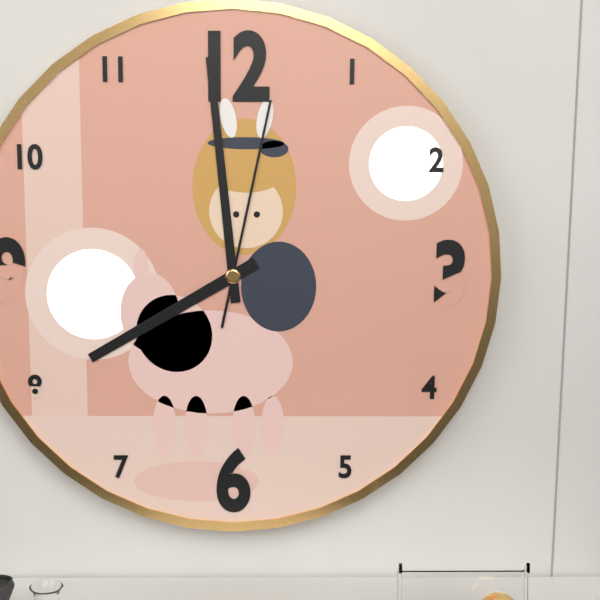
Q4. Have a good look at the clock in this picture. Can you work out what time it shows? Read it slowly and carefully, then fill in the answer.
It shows 7:59:02
